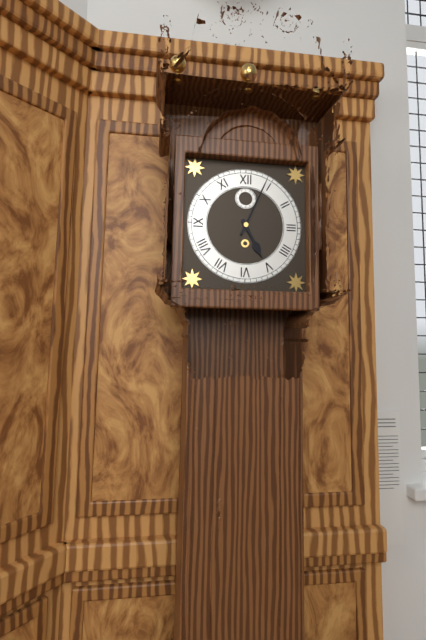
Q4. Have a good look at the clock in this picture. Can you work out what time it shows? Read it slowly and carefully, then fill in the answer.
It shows 5:04
